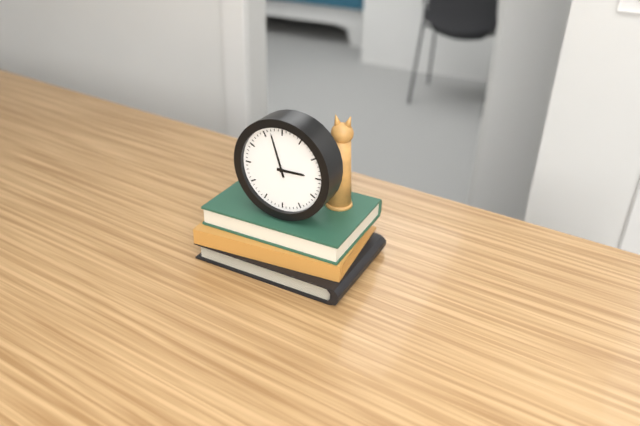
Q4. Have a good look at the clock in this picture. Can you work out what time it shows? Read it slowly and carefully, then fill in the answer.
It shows 2:57
